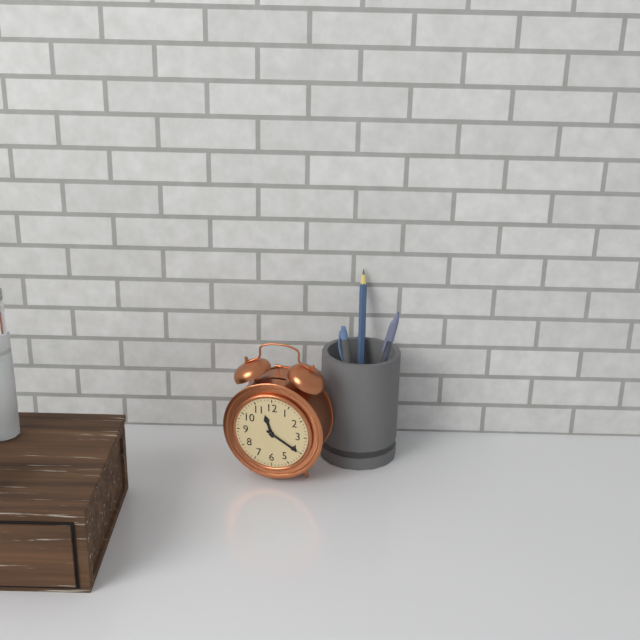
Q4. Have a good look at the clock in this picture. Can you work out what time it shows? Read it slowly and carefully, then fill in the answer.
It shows 11:20
